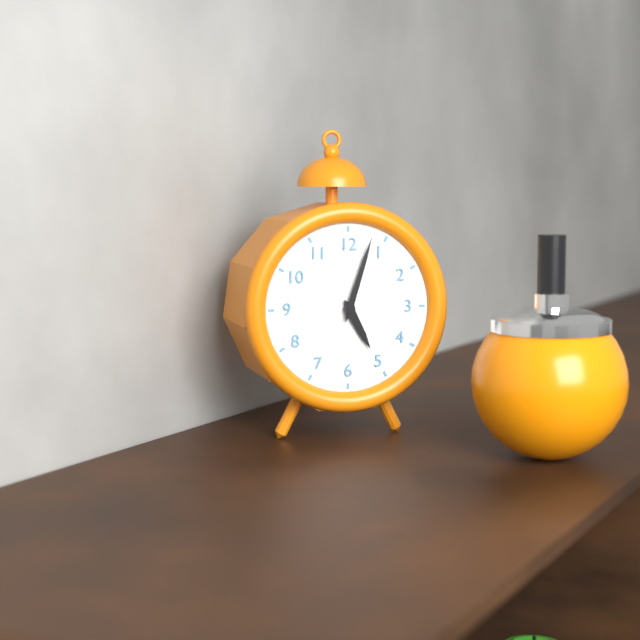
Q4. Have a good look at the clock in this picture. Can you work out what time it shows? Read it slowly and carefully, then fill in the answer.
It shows 5:03
